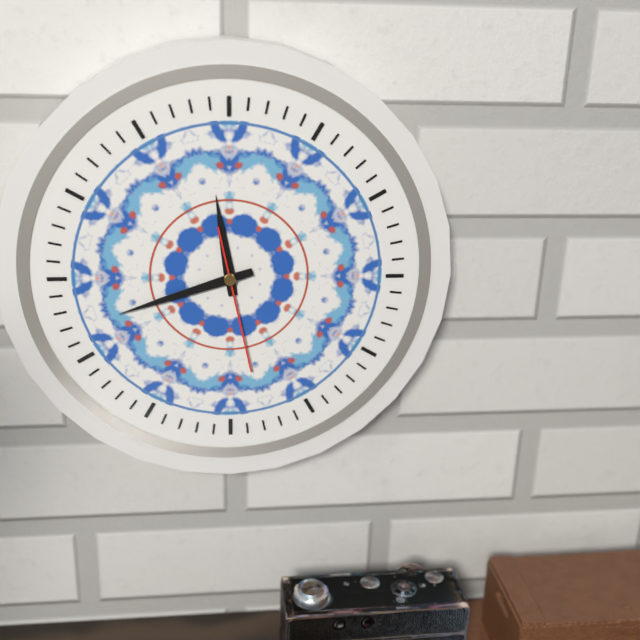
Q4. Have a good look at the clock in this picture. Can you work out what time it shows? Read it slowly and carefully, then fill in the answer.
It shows 11:42:28
